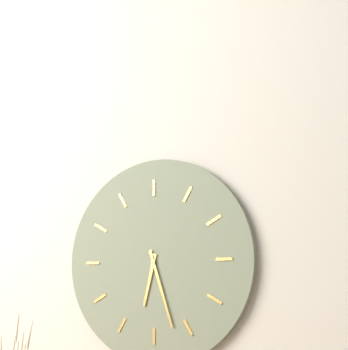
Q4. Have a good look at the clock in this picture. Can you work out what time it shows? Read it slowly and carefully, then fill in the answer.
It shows 6:27
